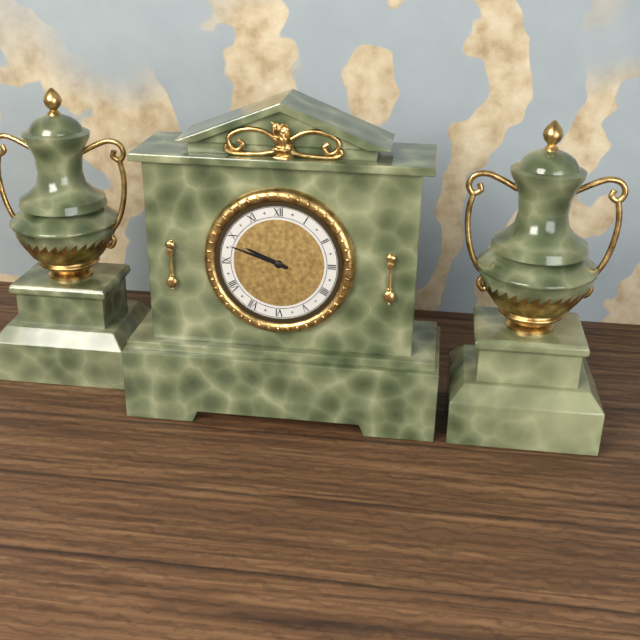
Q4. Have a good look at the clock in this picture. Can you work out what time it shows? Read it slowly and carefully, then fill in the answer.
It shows 9:48
